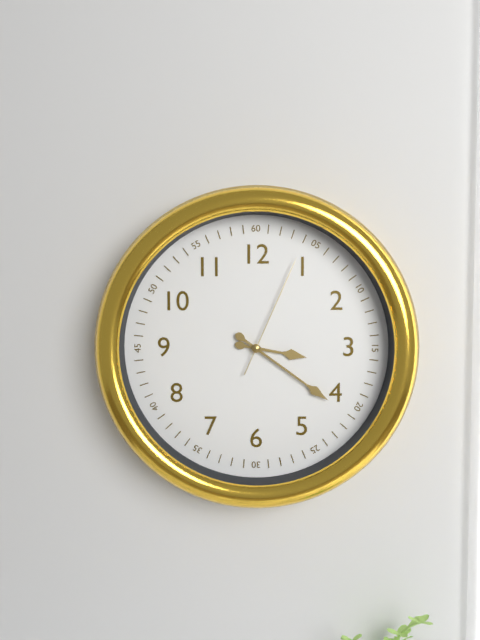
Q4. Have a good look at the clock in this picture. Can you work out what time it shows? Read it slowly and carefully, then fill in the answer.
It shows 3:21:04
